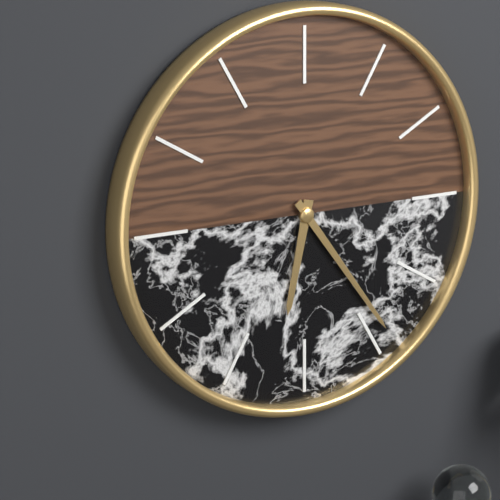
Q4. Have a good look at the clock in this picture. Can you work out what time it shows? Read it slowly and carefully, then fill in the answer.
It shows 6:24
